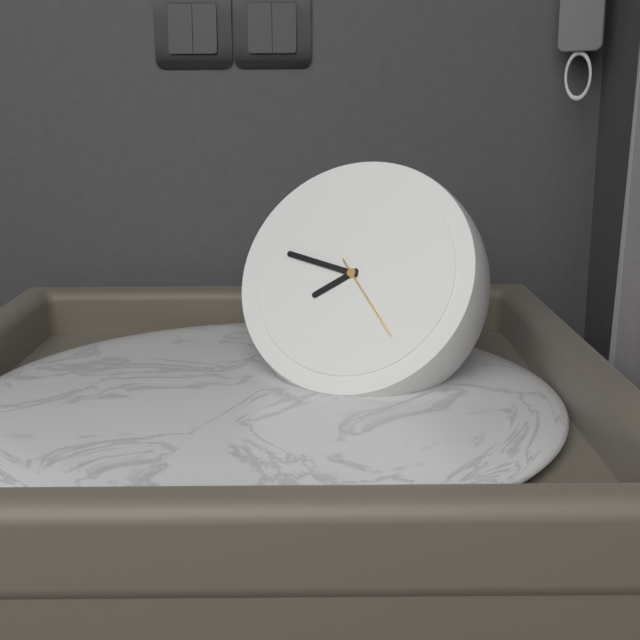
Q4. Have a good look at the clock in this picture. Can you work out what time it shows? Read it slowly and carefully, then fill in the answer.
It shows 7:47:23
